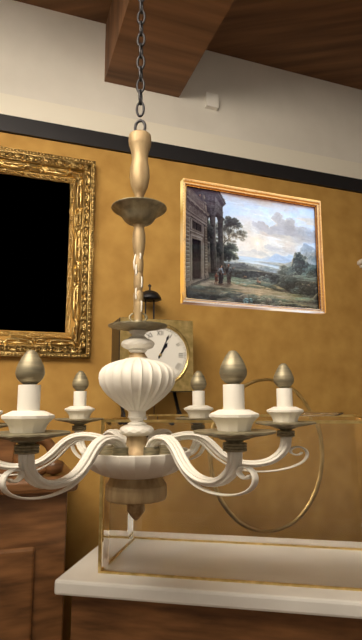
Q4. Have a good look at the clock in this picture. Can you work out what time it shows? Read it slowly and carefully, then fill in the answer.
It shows 1:04
